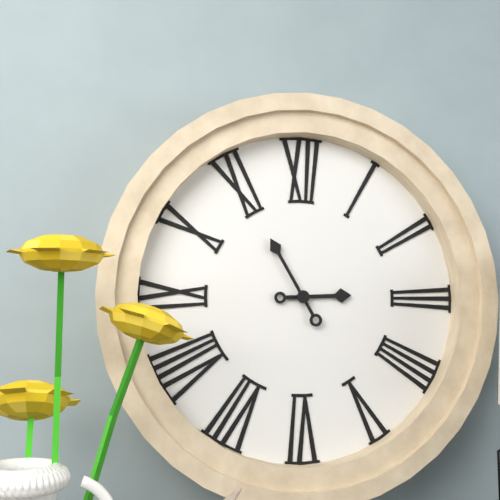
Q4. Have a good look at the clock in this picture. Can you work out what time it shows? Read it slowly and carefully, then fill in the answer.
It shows 2:55
